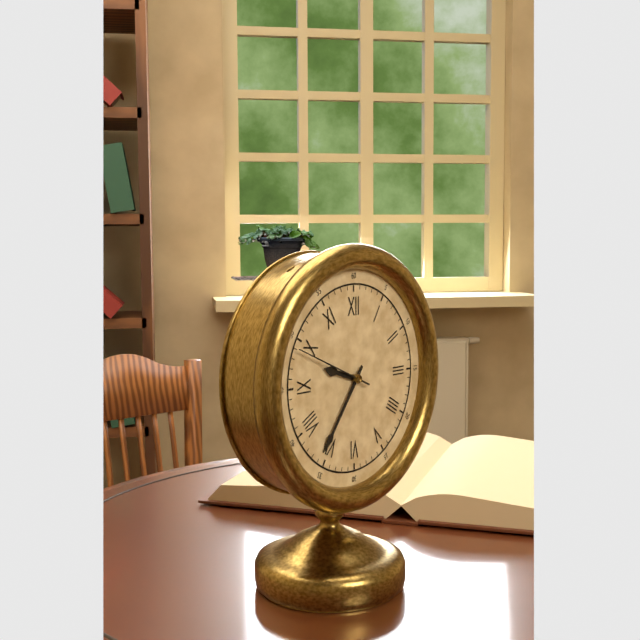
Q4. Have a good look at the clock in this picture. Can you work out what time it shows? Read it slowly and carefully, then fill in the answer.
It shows 9:36:49
